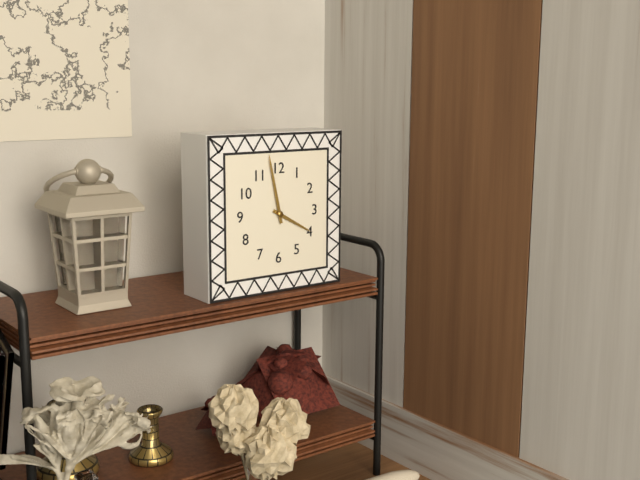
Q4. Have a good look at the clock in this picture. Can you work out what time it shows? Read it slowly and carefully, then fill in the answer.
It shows 3:58
